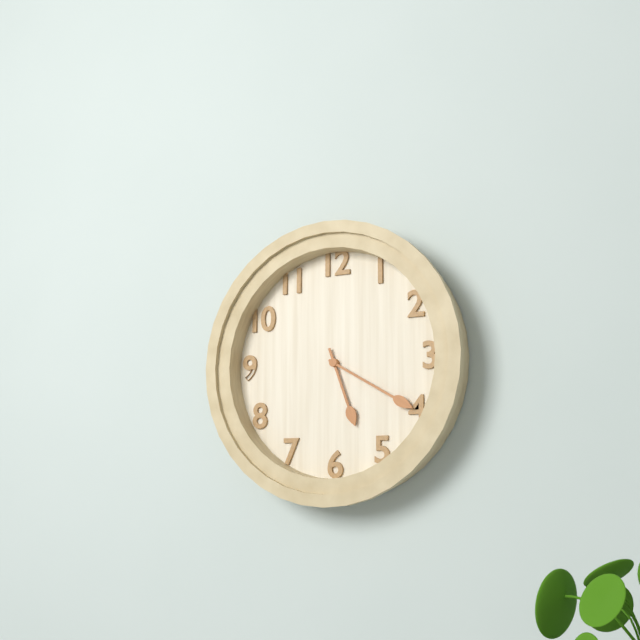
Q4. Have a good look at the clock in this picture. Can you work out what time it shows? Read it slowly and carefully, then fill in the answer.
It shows 5:20
